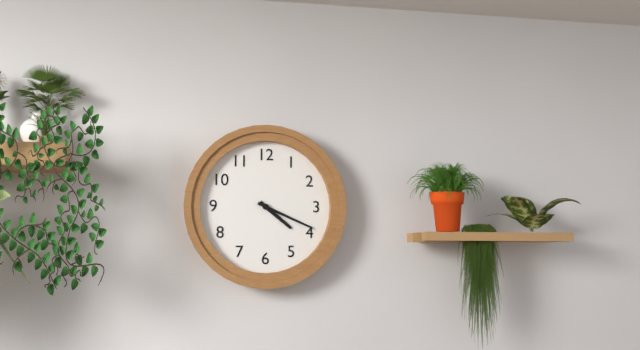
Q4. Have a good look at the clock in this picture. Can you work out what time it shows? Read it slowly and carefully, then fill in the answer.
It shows 4:19
